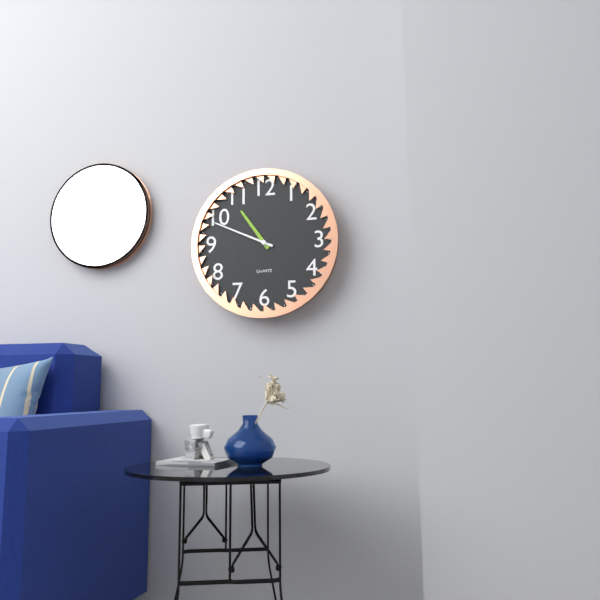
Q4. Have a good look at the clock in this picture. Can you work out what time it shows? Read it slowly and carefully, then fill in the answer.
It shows 10:49
